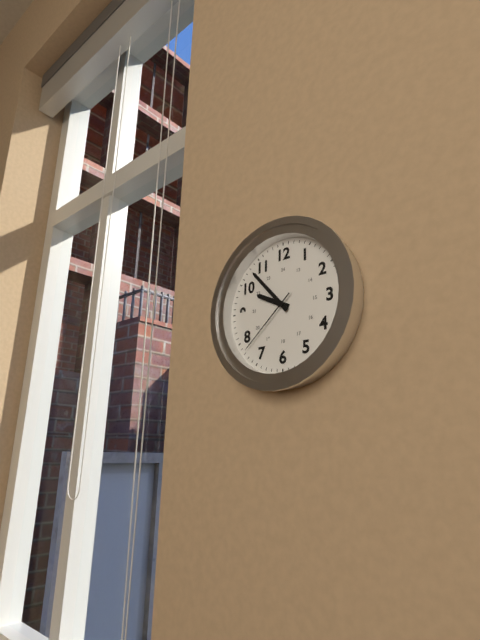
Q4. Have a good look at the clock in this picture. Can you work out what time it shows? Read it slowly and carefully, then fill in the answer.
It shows 9:53:38
